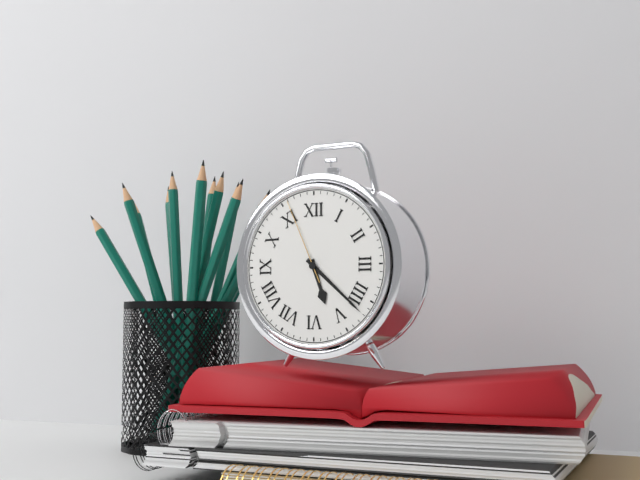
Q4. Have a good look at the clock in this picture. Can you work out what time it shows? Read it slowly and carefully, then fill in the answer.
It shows 5:22:56
